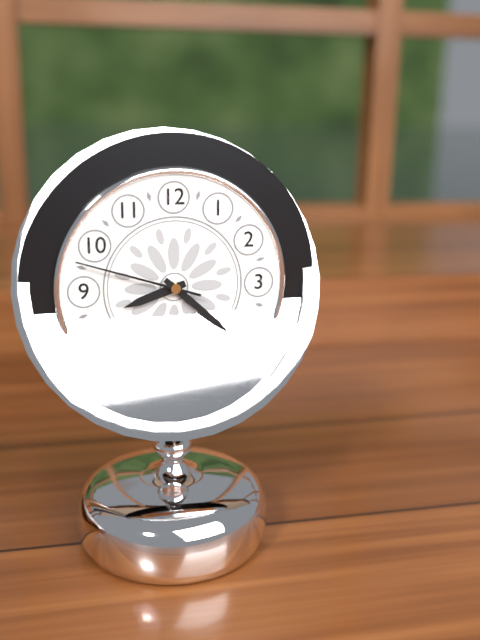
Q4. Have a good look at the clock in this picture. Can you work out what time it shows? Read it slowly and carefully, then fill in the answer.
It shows 8:22:48
